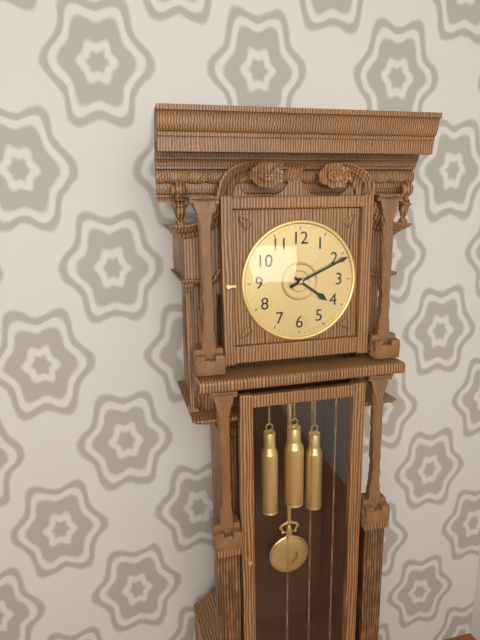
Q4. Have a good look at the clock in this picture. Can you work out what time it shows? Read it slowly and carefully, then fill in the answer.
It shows 4:11:07
